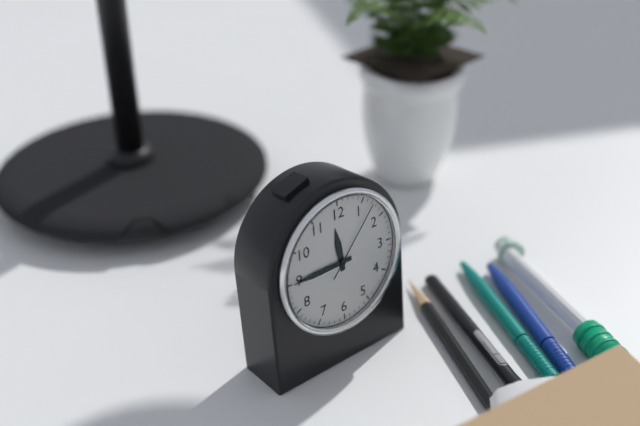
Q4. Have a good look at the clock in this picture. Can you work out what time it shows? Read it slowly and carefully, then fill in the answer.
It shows 11:45:07
